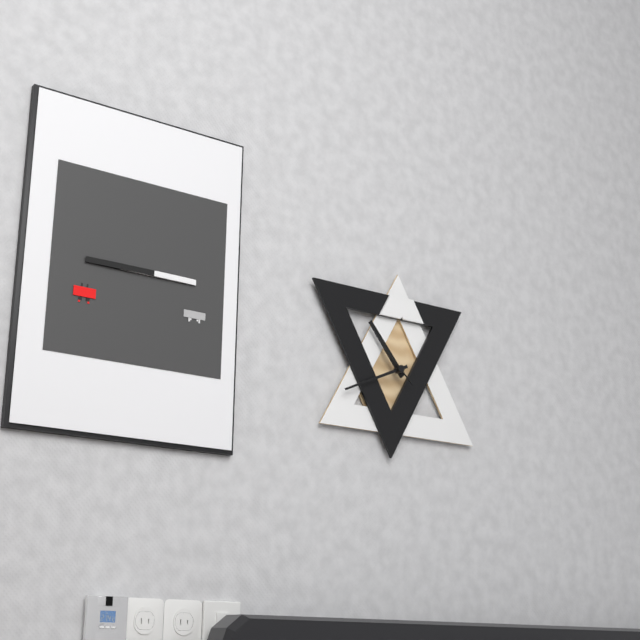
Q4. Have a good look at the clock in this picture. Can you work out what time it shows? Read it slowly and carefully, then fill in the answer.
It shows 10:41
